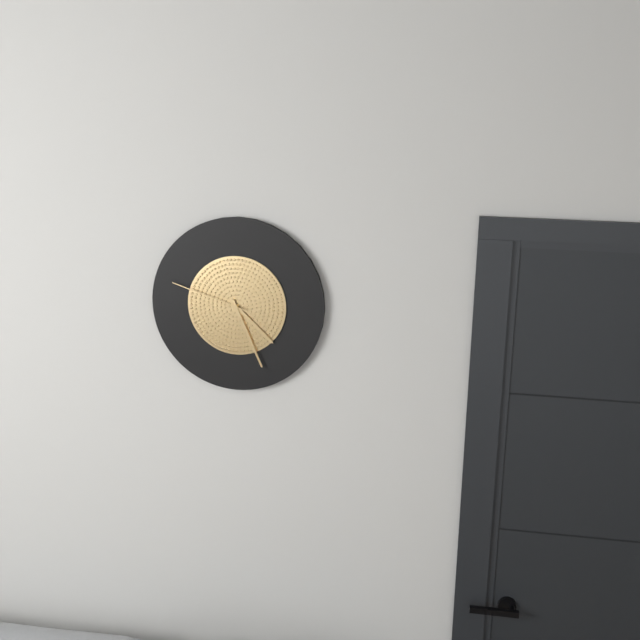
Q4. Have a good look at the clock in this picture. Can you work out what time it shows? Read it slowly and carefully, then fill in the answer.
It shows 4:26:48
